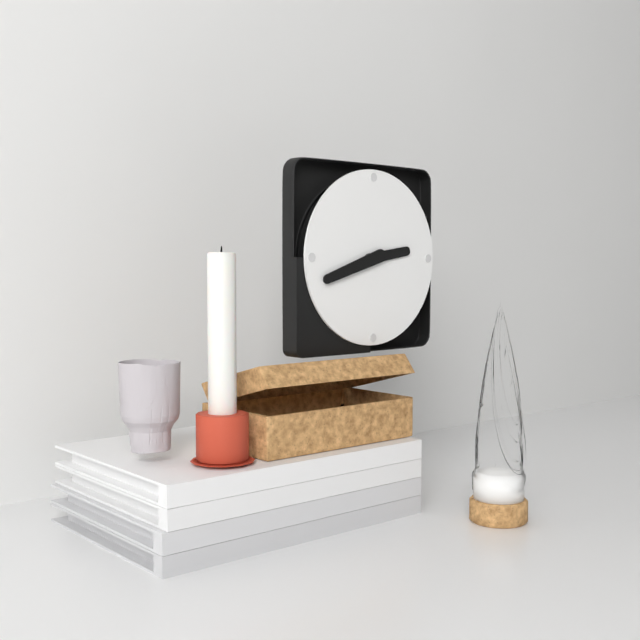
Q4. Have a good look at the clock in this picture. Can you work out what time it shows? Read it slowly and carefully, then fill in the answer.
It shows 2:42
